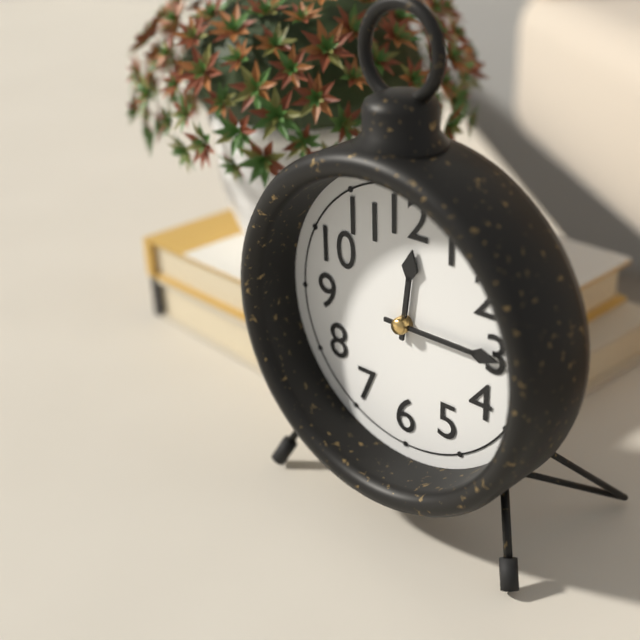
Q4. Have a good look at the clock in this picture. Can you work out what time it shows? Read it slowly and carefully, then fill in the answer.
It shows 12:15
